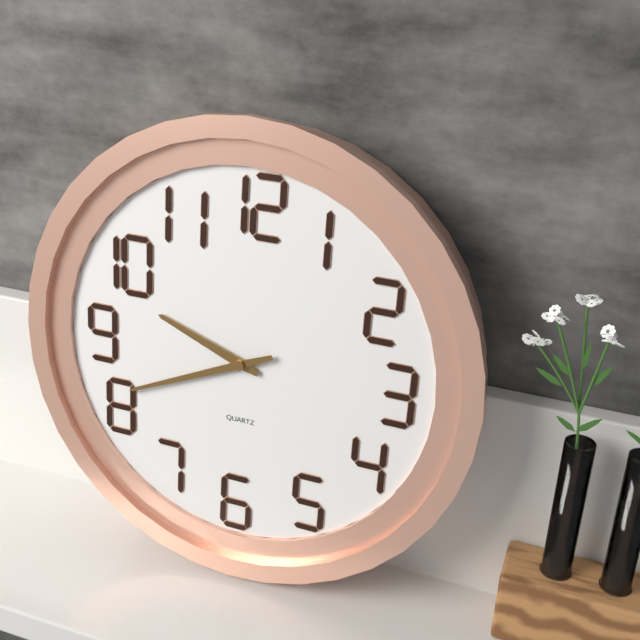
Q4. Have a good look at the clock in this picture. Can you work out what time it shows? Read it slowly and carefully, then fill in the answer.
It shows 9:41
